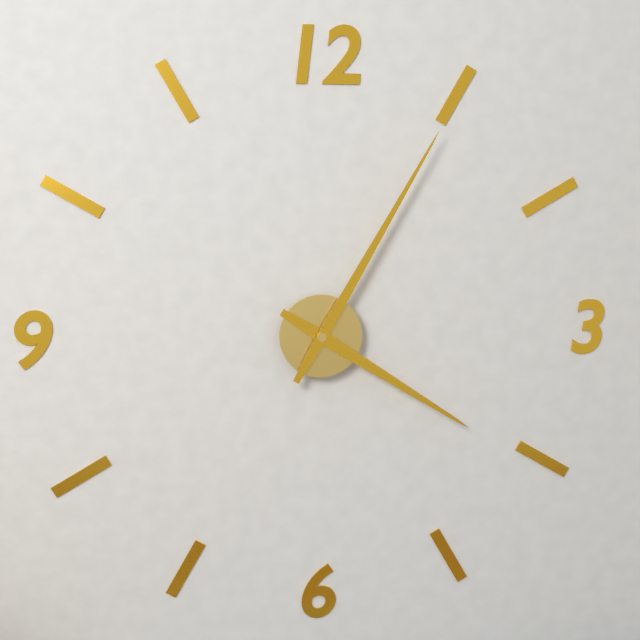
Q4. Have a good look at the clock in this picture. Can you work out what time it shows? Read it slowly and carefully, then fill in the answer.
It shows 4:05
